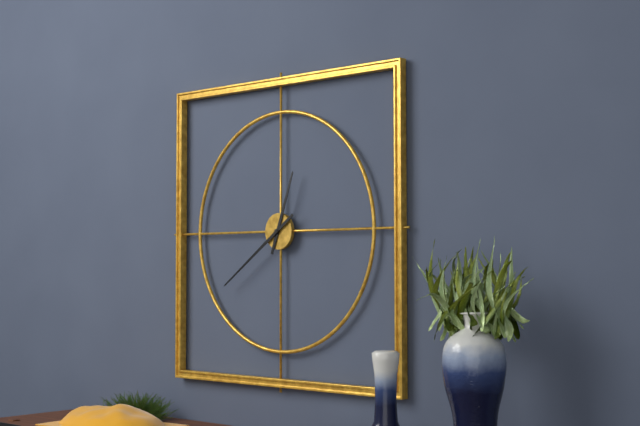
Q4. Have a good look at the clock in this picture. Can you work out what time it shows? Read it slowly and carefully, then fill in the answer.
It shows 12:39
